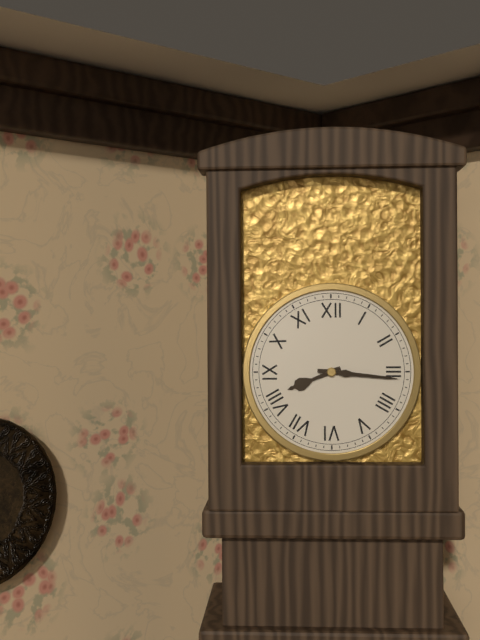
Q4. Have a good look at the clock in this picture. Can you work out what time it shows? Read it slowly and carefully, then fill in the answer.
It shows 8:16
